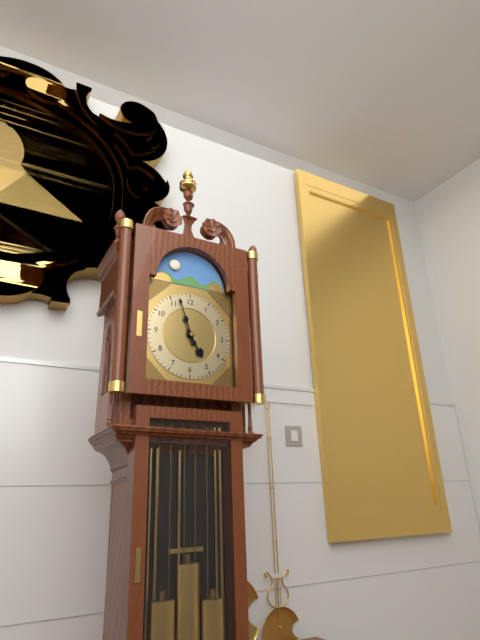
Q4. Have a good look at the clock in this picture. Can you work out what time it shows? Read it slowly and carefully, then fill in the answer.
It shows 4:57
